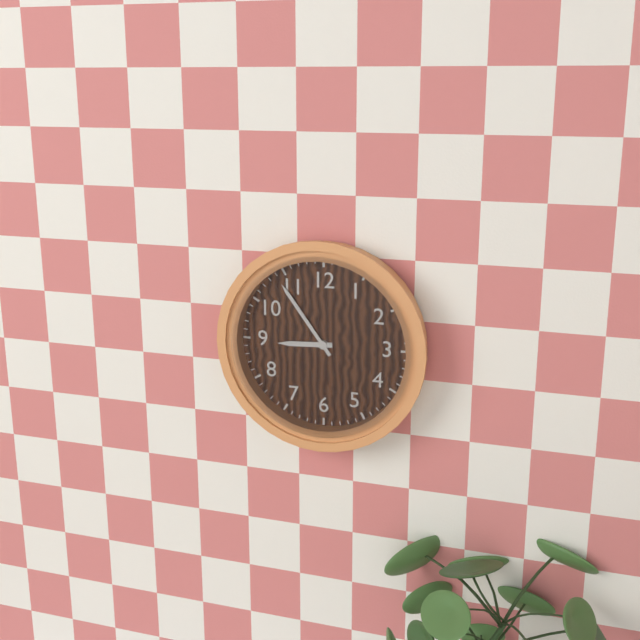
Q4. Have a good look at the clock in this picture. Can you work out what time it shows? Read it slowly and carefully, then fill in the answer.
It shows 8:54
